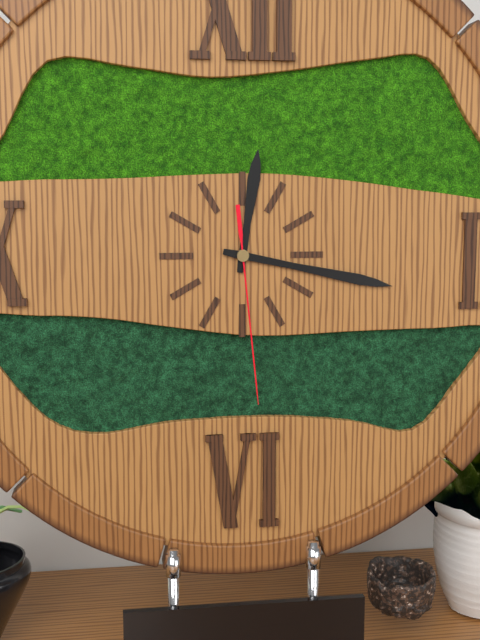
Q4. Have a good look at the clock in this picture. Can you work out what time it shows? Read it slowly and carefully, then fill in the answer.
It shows 12:17:29
